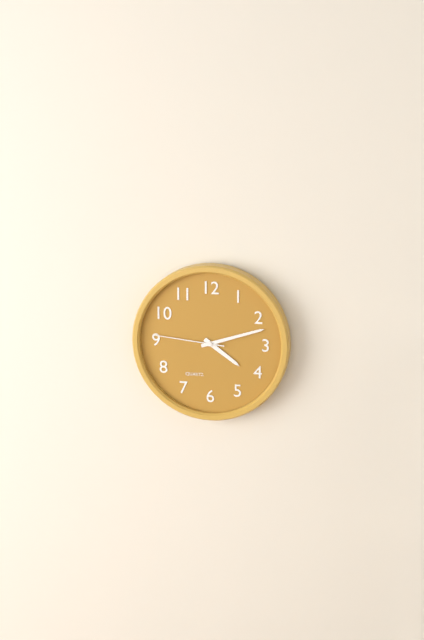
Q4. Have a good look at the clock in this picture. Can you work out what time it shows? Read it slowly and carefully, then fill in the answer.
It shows 4:12:46
